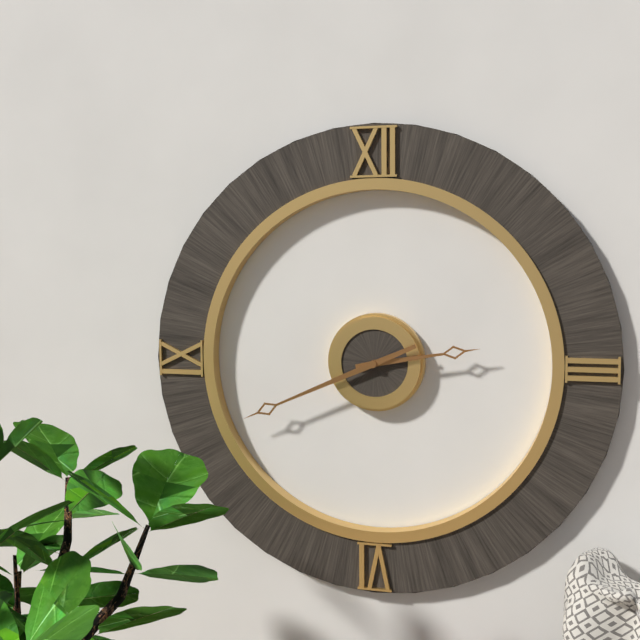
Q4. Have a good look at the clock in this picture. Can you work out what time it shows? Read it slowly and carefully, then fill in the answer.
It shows 2:41
